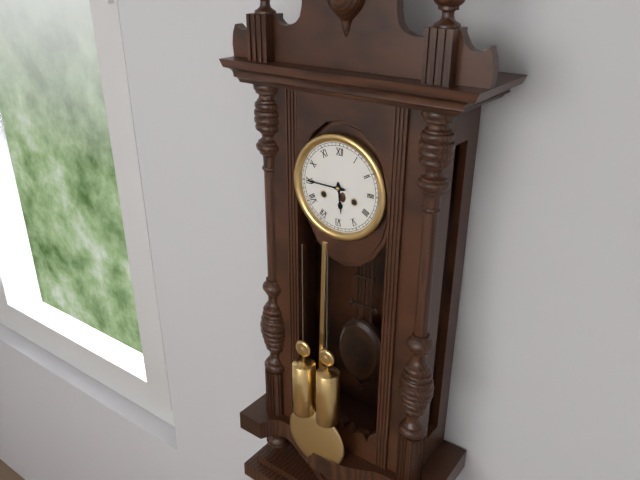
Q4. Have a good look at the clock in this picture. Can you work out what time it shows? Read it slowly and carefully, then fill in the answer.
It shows 5:45
